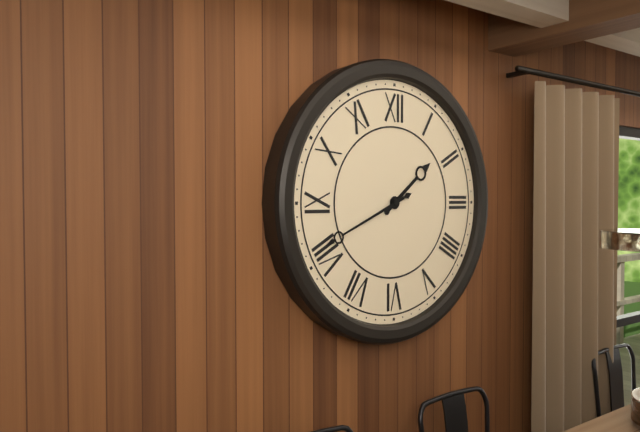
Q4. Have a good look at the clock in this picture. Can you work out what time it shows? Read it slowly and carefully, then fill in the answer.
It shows 1:41
